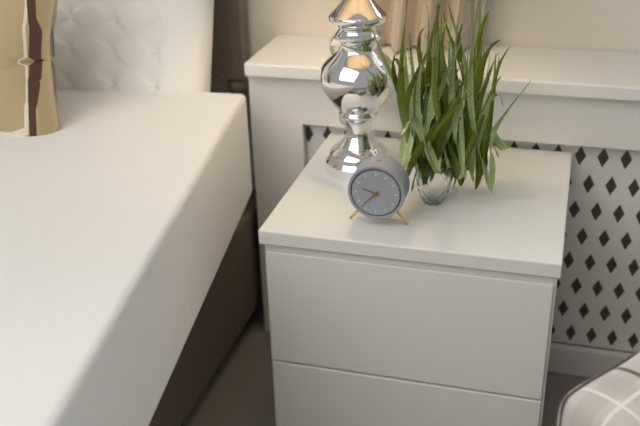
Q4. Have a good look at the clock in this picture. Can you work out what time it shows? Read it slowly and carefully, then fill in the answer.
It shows 9:37
